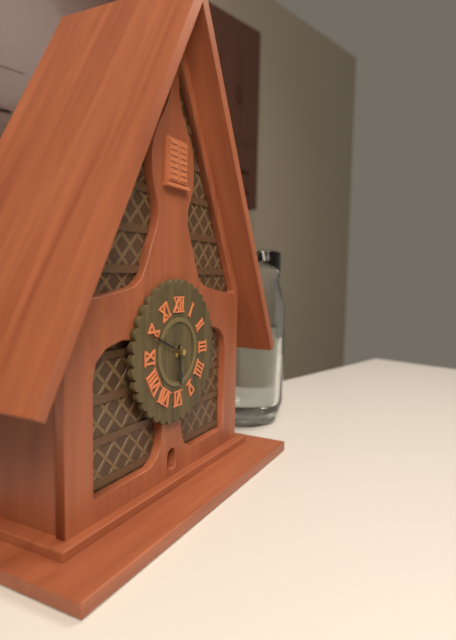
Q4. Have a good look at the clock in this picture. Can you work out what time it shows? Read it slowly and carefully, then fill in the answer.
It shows 5:49
